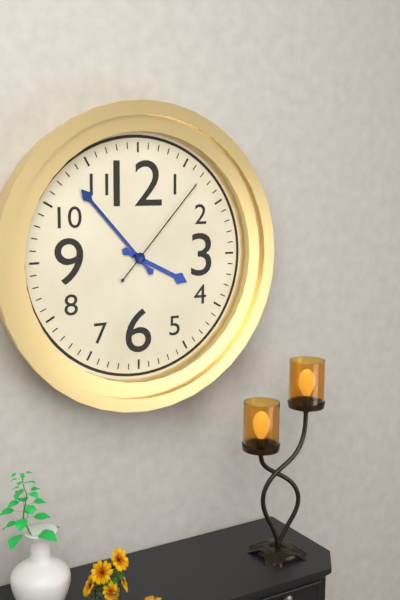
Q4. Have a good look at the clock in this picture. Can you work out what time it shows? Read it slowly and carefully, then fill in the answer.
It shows 3:53:07
